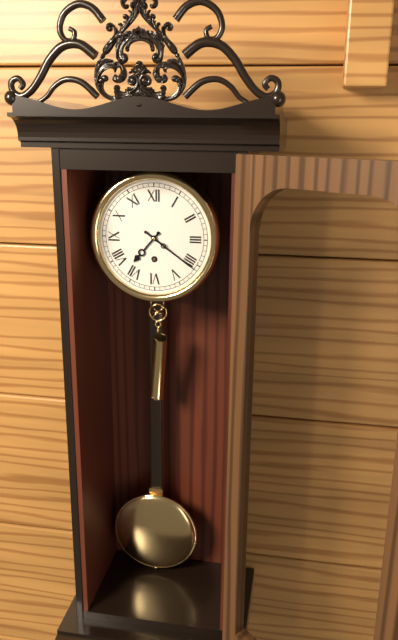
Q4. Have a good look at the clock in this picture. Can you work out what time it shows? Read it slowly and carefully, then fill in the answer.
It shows 7:21
